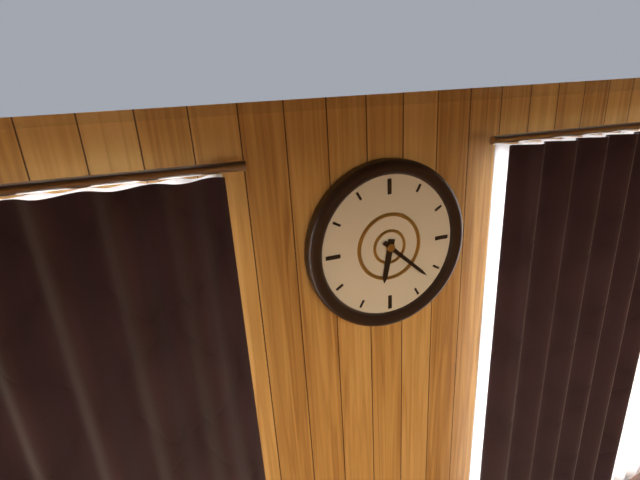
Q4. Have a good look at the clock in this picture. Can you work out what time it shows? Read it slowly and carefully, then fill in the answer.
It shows 6:22
